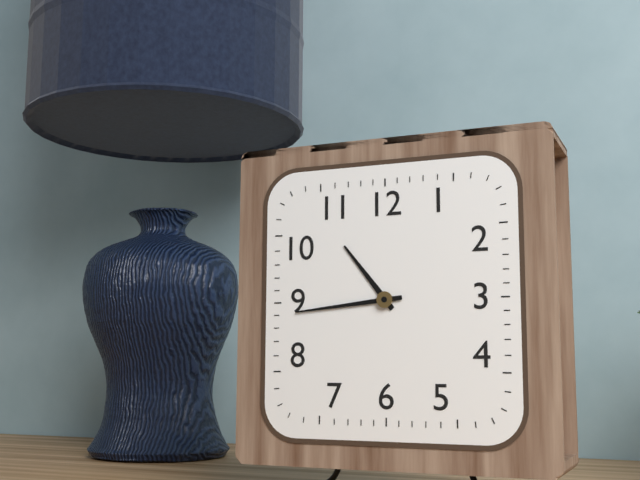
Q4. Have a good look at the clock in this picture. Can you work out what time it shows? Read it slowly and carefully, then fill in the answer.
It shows 10:44
